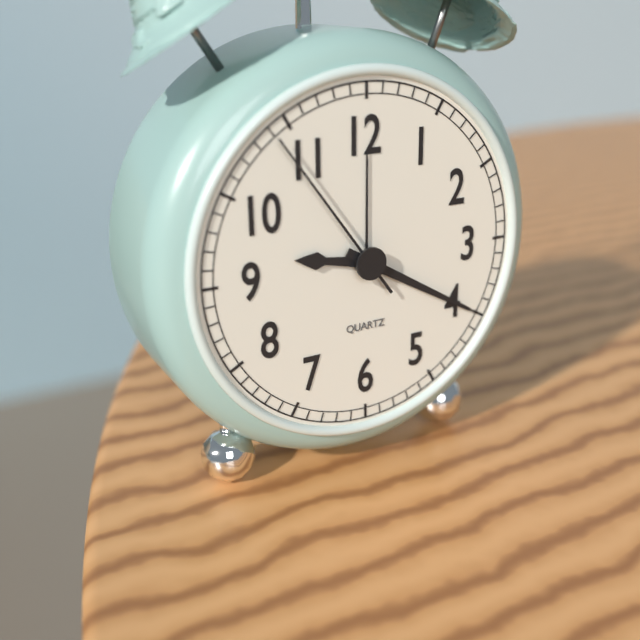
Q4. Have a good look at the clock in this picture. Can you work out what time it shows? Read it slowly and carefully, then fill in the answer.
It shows 9:20:54
